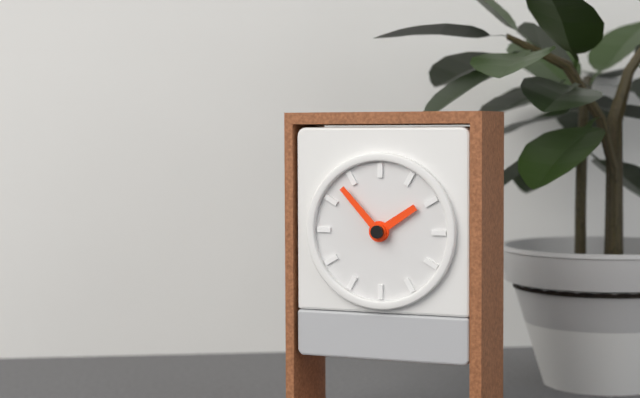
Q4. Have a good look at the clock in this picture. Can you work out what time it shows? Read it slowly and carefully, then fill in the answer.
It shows 1:53
